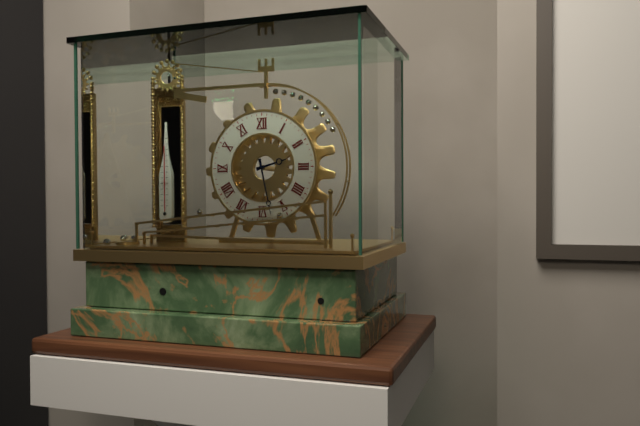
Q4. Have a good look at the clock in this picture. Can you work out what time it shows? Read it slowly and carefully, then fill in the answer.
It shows 2:28
